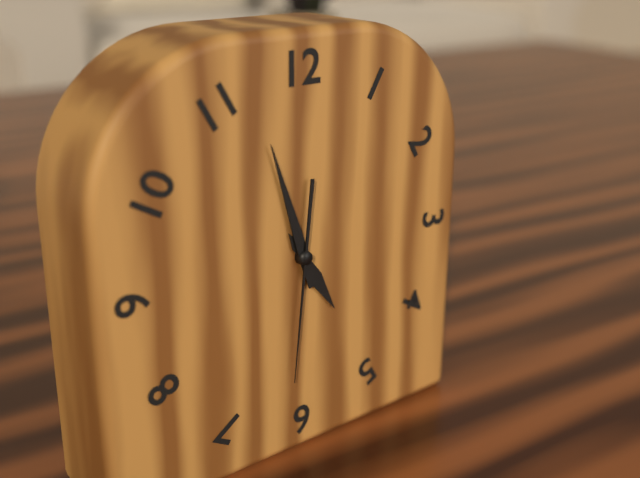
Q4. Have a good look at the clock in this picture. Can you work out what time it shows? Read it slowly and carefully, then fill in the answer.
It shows 4:57:31
